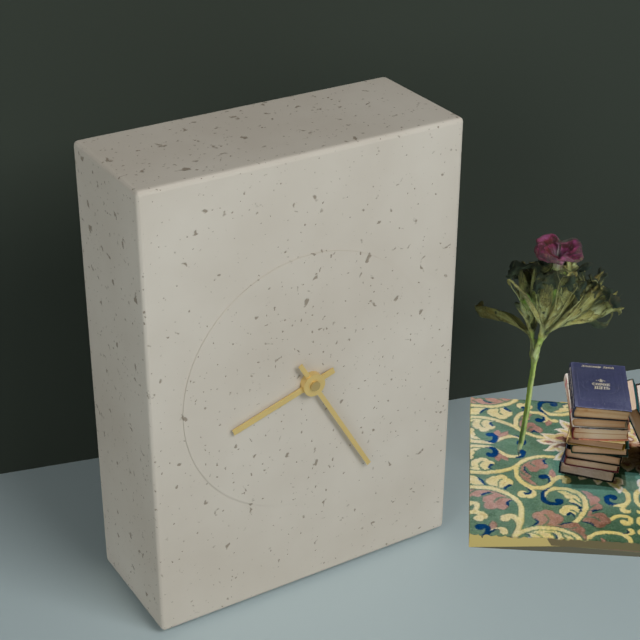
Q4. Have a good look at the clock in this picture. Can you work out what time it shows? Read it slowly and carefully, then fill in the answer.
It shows 8:25
